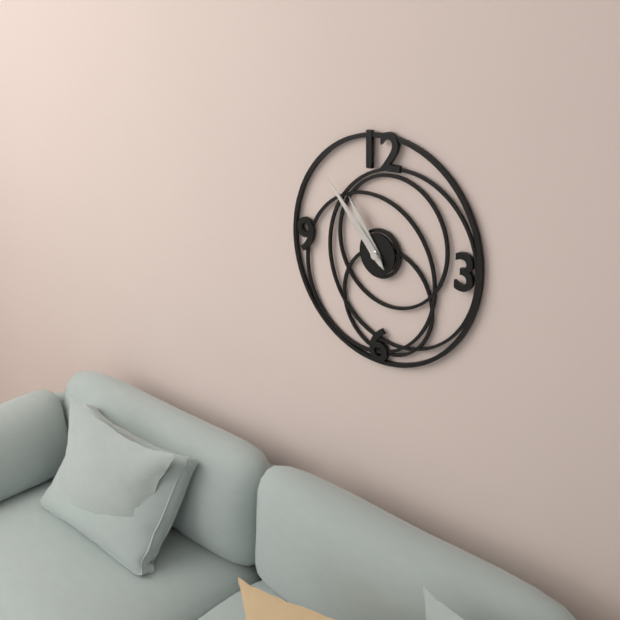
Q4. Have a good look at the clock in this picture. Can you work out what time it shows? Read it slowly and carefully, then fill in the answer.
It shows 10:53
